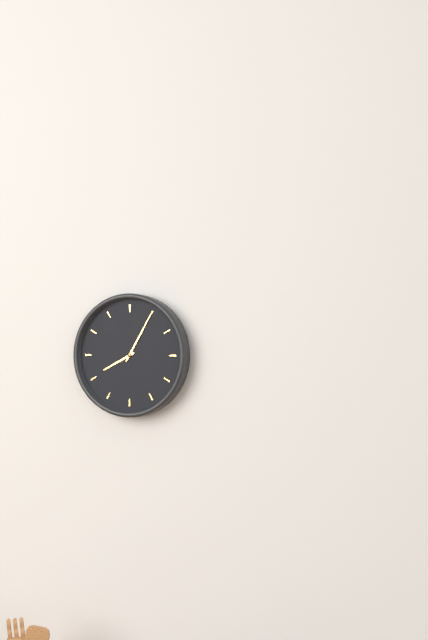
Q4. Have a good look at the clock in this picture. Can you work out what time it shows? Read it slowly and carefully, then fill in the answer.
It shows 8:05
